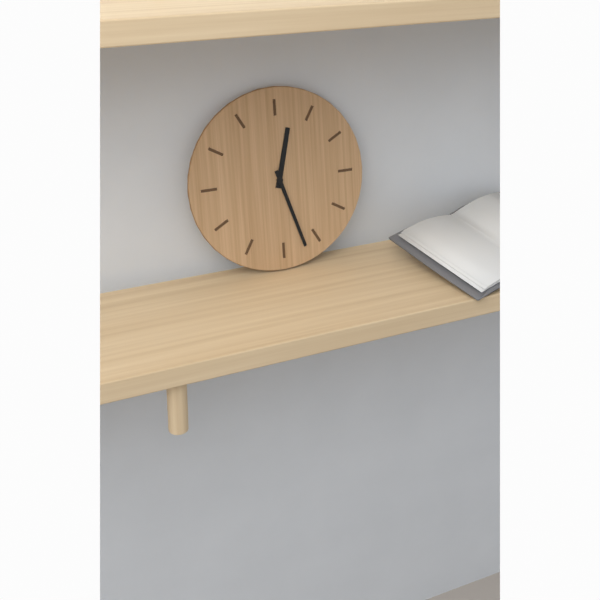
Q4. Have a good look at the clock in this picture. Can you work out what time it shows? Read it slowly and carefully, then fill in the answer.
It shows 12:27
